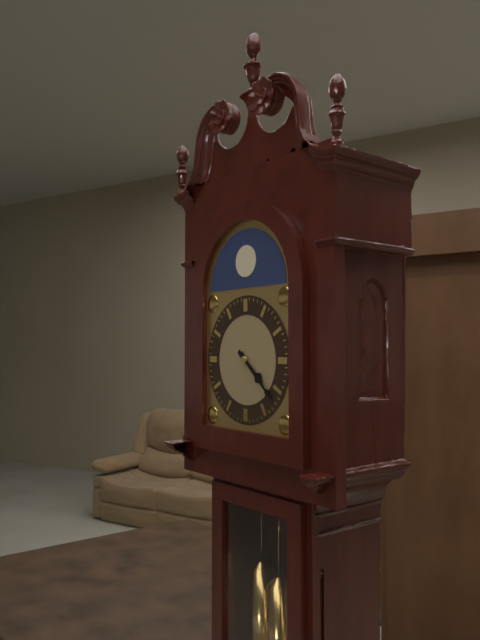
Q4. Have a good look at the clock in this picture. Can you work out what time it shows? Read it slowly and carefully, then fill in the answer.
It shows 4:22
